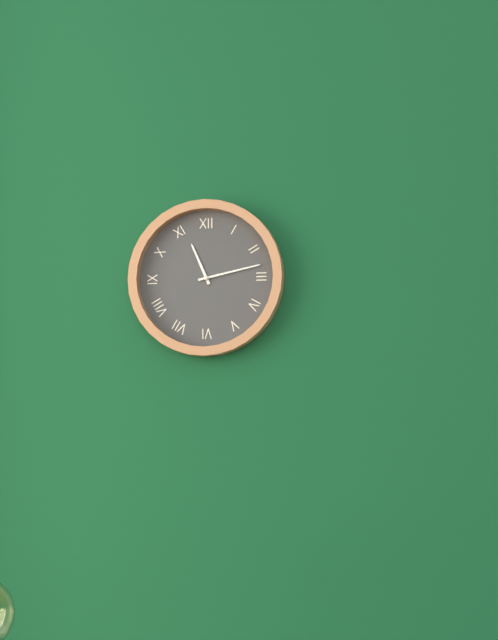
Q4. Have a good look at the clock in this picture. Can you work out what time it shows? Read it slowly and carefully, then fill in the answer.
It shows 11:13
